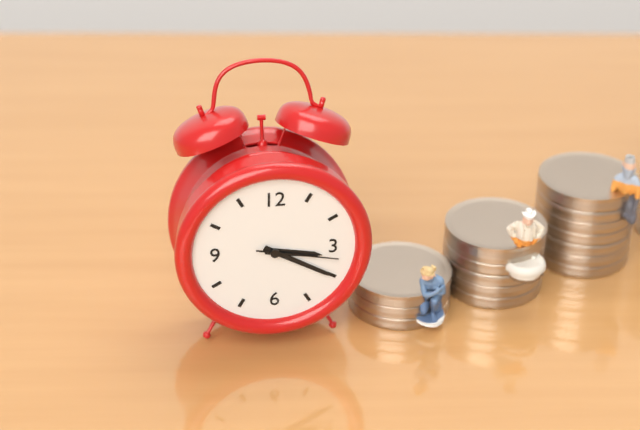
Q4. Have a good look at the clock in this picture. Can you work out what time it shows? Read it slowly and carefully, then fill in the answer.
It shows 3:20:17
